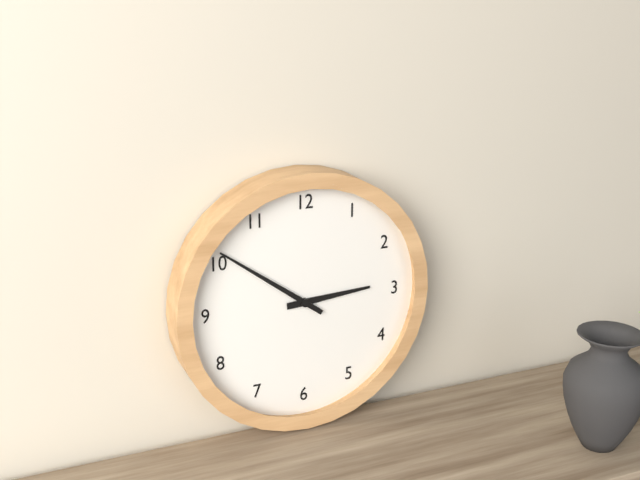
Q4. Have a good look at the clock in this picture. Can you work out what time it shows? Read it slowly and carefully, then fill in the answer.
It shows 2:51
